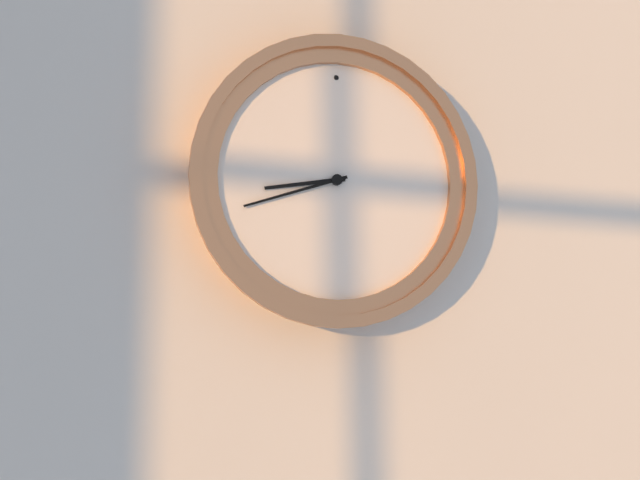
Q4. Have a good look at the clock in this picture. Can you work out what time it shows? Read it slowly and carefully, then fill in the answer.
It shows 8:42
